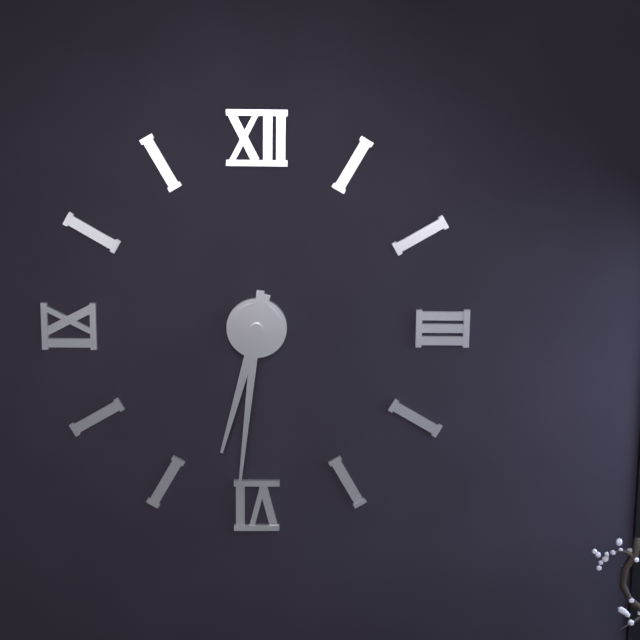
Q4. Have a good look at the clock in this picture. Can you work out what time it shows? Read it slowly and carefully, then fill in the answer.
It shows 6:31
